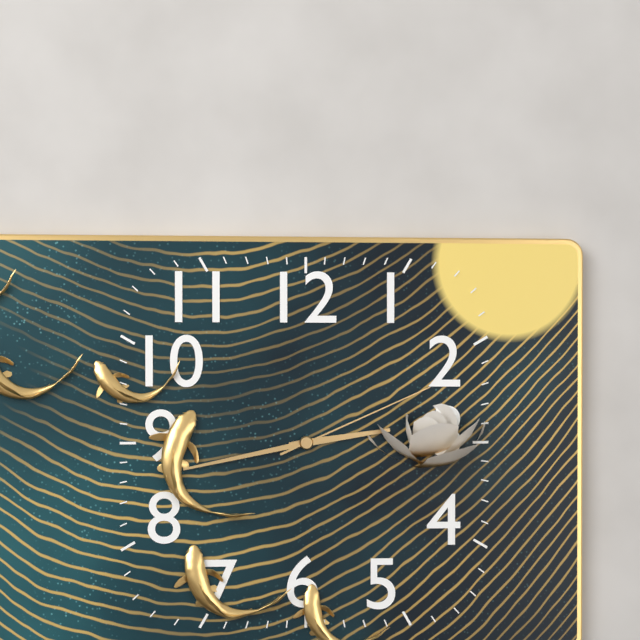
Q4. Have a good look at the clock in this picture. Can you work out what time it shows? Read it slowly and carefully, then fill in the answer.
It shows 2:43:11
